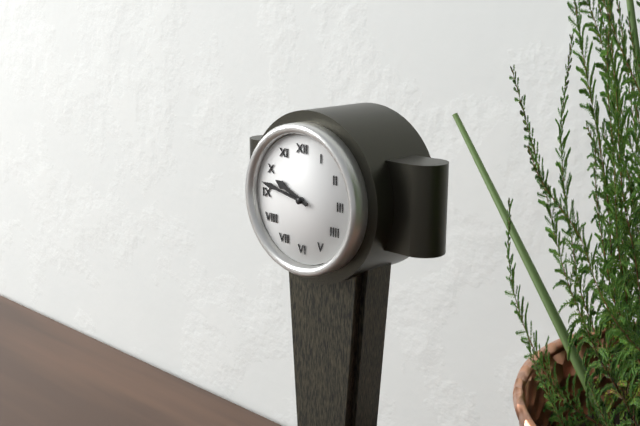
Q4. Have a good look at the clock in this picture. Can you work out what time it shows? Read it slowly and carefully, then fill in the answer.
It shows 9:47
